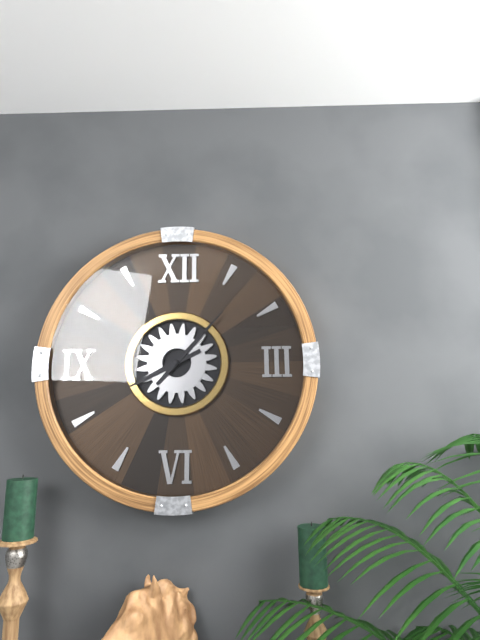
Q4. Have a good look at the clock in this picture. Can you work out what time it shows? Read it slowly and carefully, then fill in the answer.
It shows 8:07
